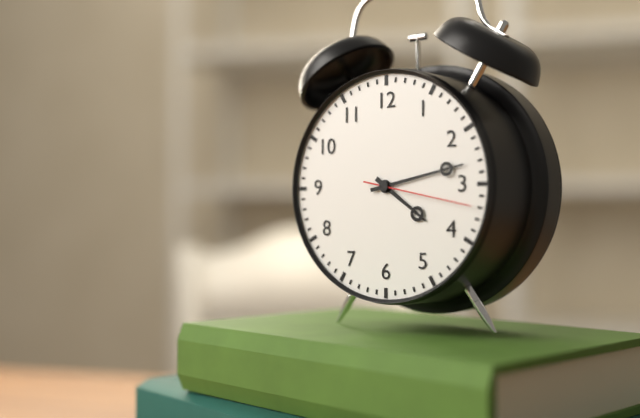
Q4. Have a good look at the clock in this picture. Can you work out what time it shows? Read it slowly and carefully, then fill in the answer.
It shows 4:13:17
